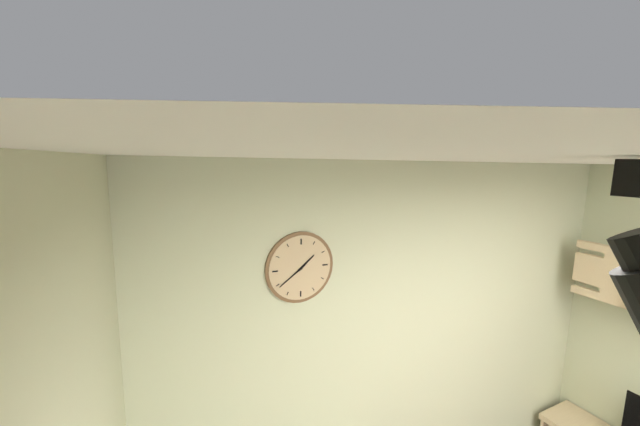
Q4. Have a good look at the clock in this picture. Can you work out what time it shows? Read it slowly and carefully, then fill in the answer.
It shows 1:39
